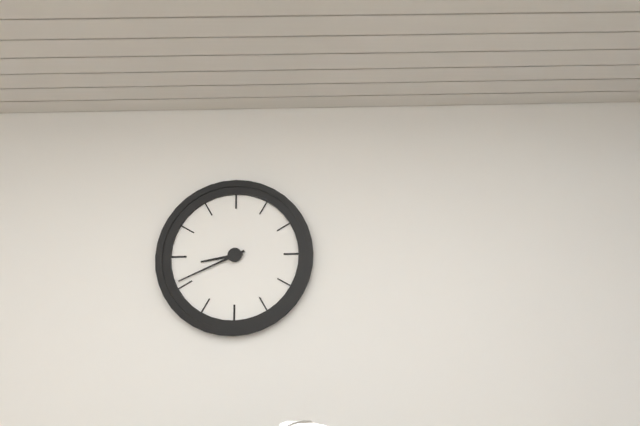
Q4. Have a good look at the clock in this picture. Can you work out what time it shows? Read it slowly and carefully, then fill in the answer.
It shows 8:41
